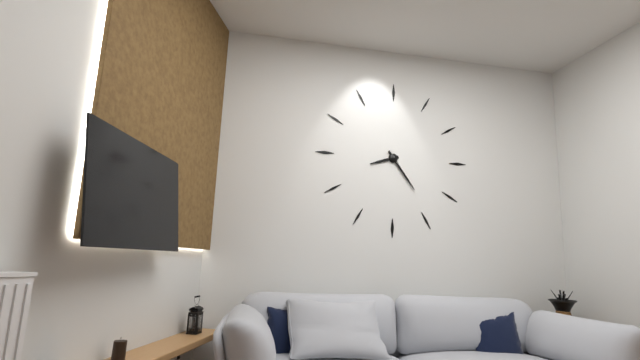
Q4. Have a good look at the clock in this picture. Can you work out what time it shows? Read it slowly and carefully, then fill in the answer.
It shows 8:24
